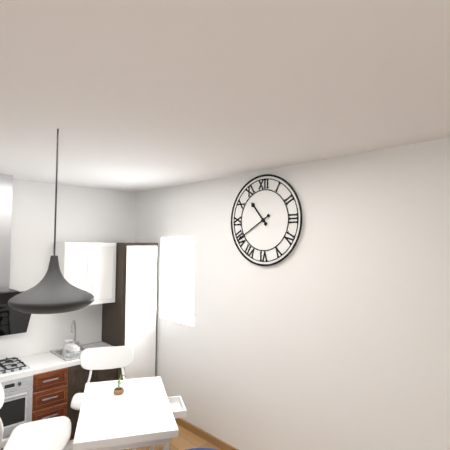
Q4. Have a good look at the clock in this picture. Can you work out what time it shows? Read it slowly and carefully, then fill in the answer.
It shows 10:40
